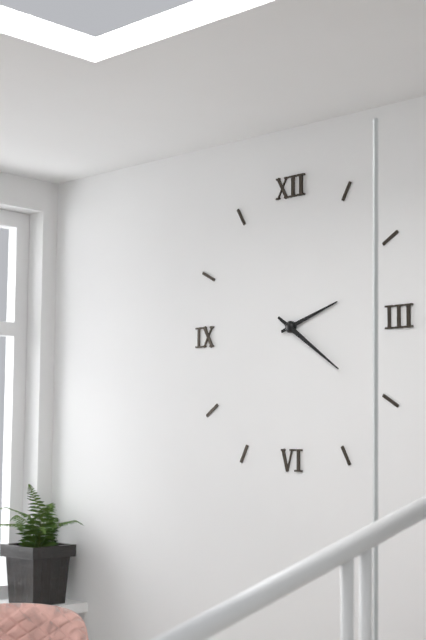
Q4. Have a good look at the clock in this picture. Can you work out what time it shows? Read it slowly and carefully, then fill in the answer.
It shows 2:21
